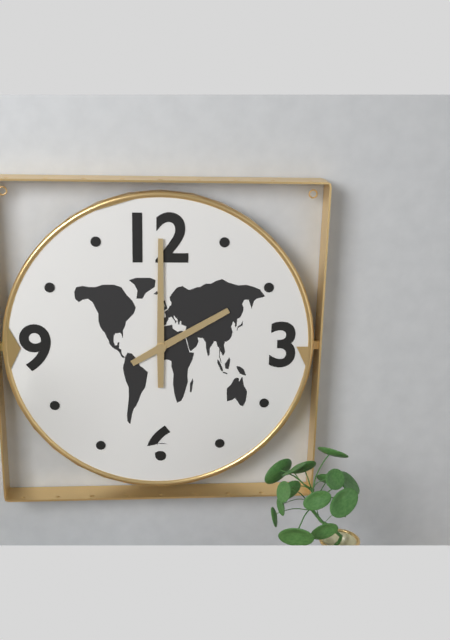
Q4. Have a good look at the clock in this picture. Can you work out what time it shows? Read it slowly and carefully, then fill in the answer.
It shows 2:00
